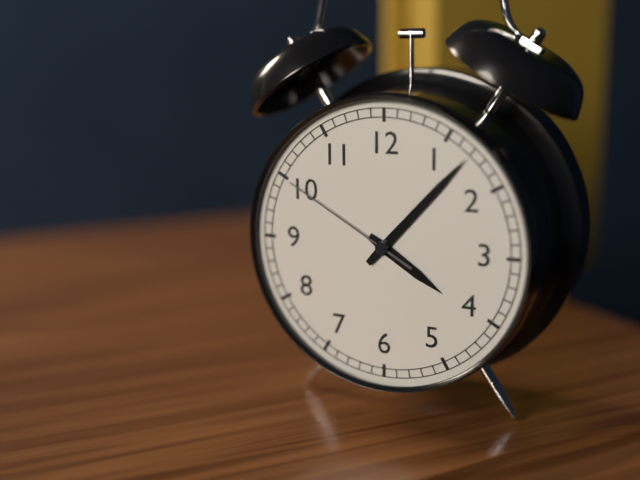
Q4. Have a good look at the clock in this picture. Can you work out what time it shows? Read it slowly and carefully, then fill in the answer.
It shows 4:07:50
